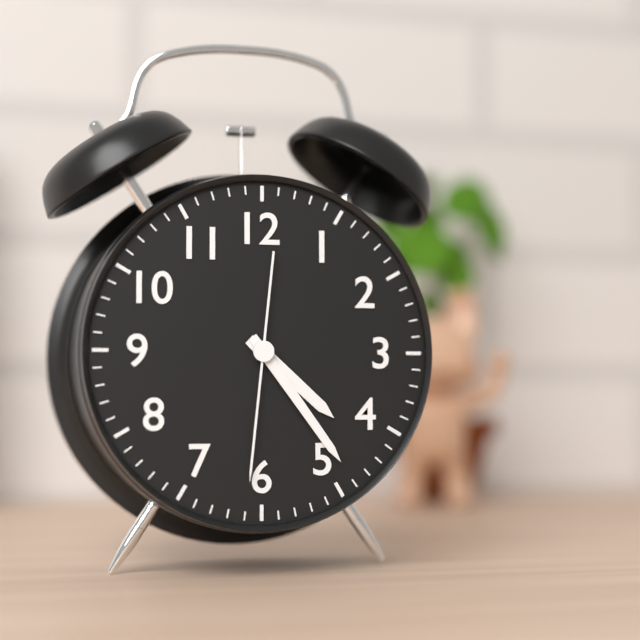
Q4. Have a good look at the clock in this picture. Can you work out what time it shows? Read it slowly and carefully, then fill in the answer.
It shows 4:24:31
